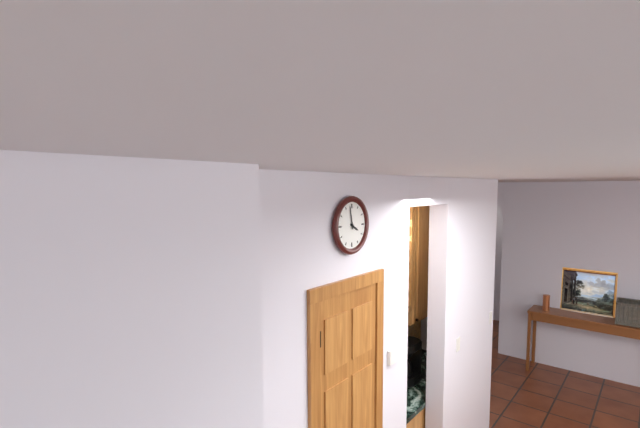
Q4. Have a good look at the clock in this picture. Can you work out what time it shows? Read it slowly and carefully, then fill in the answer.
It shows 3:58
